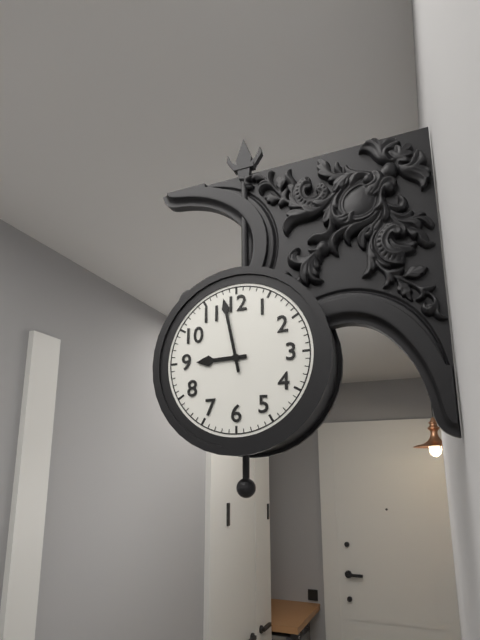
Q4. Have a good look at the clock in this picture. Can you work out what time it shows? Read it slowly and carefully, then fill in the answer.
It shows 8:58
